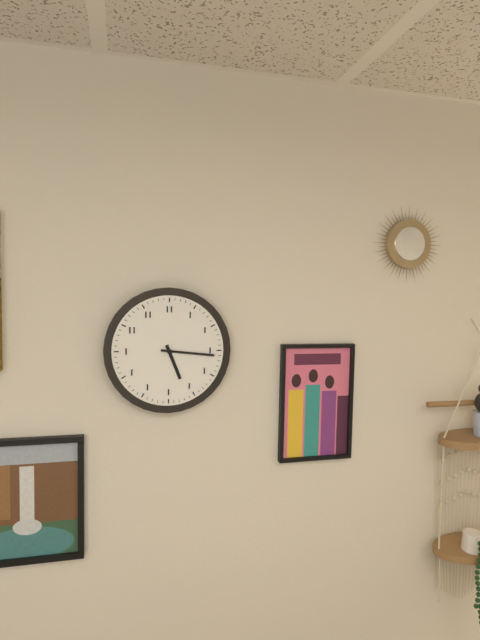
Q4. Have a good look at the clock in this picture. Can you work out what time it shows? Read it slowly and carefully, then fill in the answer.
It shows 5:16
